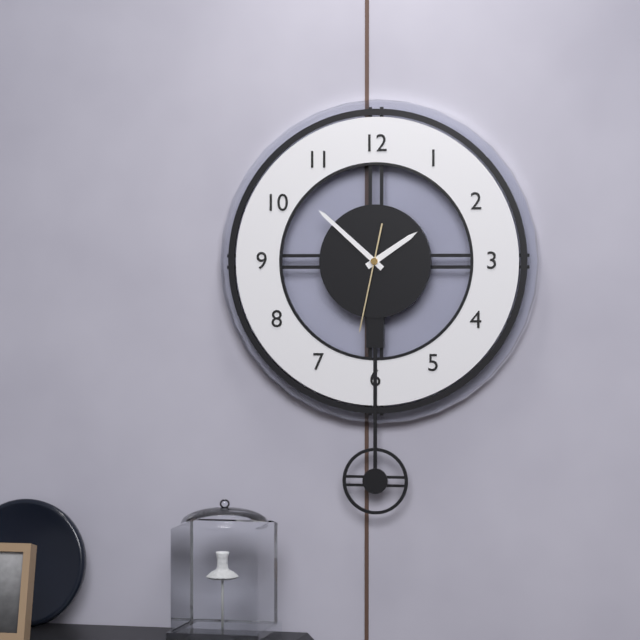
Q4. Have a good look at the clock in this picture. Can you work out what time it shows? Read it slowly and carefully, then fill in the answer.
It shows 1:52:32
